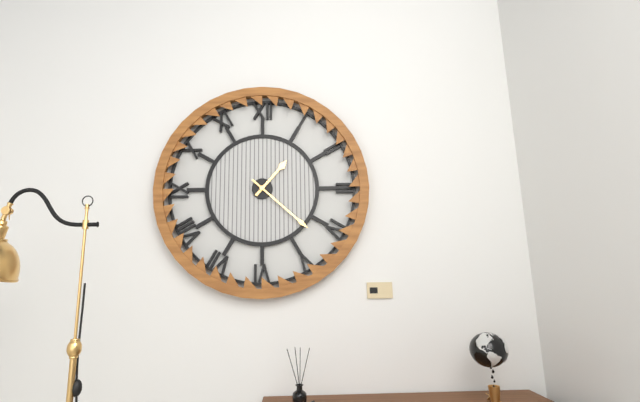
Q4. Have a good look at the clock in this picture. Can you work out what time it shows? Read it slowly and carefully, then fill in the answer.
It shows 1:22
